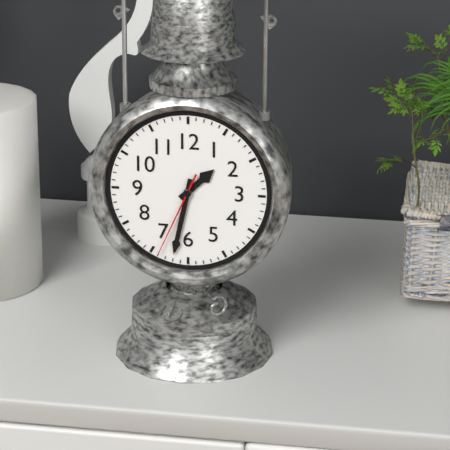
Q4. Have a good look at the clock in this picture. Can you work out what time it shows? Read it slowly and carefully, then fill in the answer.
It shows 1:32:34
